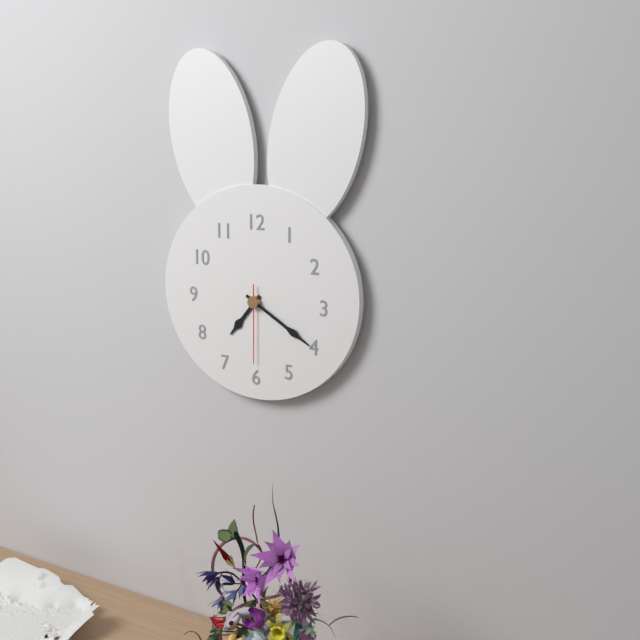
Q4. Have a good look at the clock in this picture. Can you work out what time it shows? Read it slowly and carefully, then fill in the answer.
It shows 7:20:30
